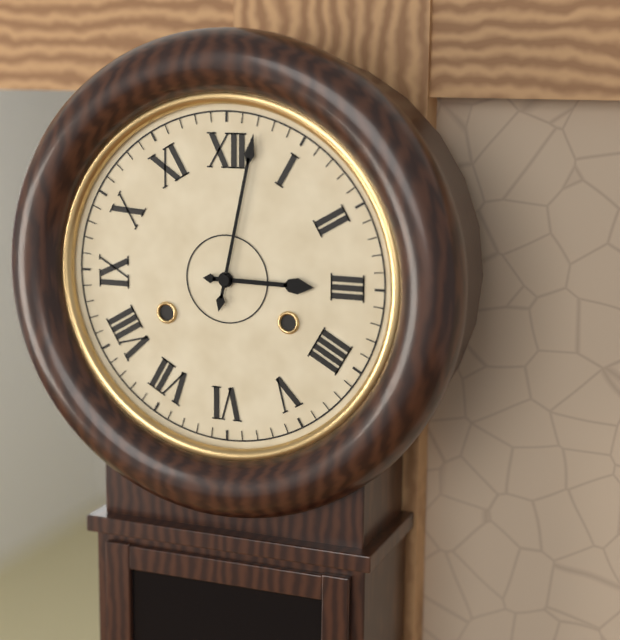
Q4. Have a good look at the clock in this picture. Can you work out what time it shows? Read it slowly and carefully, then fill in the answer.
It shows 3:02
